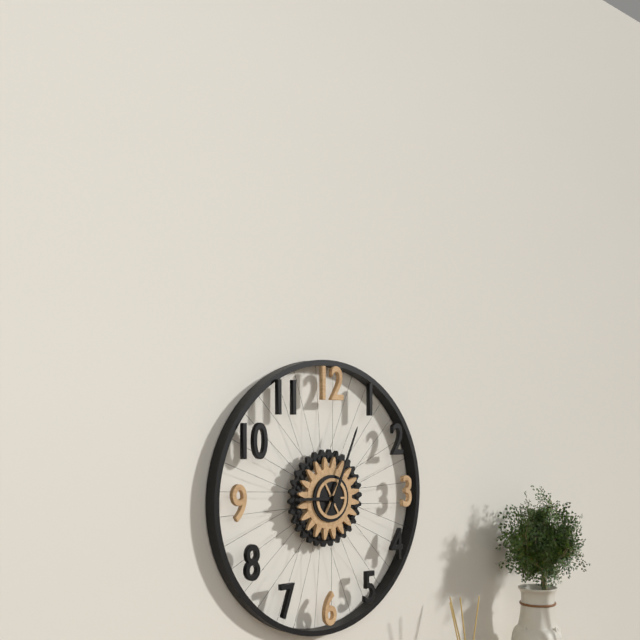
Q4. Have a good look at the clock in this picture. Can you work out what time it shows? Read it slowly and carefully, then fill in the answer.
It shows 9:04
